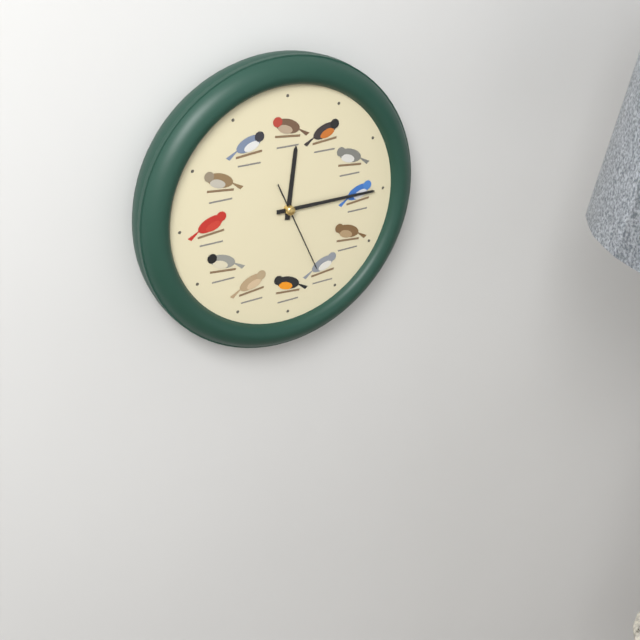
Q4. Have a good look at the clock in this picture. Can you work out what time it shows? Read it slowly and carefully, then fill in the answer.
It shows 12:15:26
